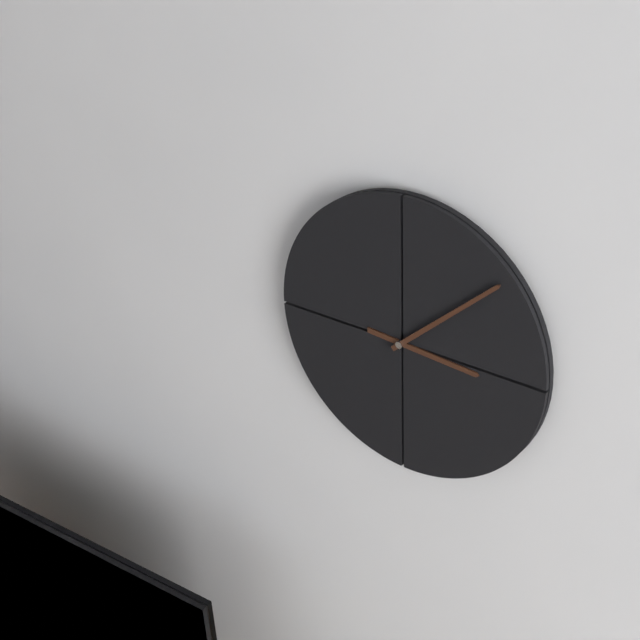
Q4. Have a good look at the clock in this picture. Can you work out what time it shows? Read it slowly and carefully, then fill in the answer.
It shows 3:08
